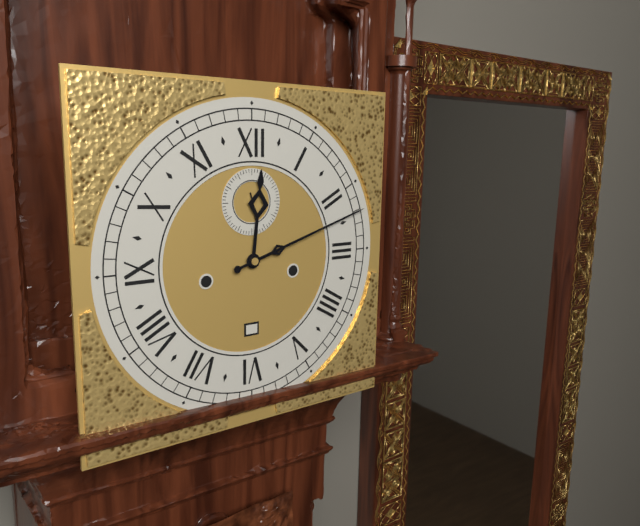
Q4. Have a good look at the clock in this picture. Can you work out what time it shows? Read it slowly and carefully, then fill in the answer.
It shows 12:12
